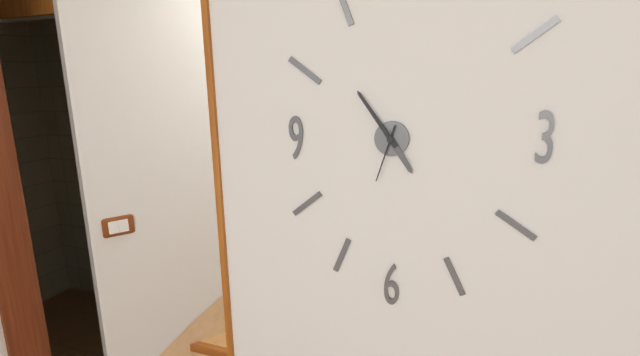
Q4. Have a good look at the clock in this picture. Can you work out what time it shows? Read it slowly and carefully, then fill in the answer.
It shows 4:54:33
